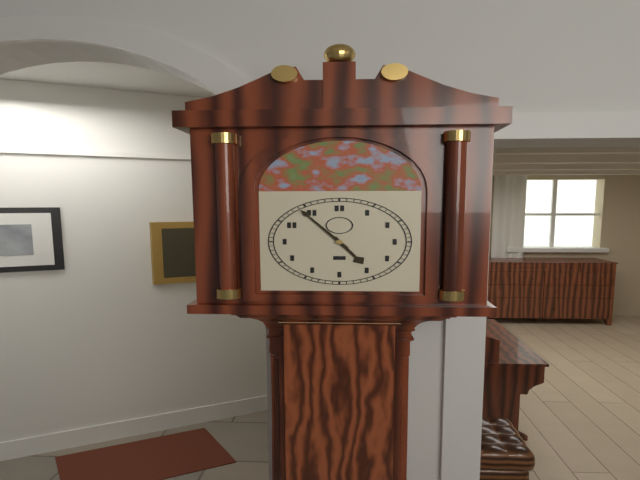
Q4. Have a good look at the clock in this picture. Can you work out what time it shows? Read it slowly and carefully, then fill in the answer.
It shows 4:54
